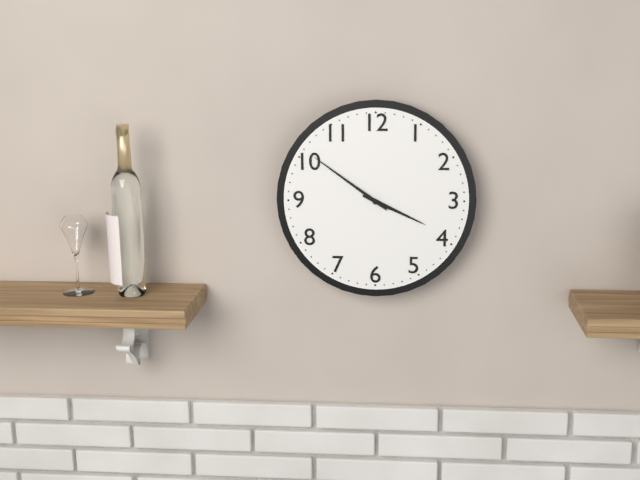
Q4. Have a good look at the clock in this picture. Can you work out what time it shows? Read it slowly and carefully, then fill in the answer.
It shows 3:51
